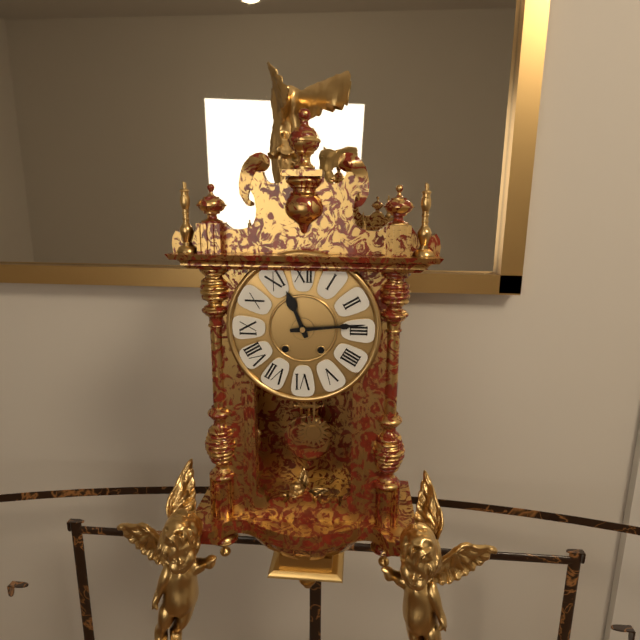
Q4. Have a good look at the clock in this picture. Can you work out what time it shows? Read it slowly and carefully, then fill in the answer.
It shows 11:14
